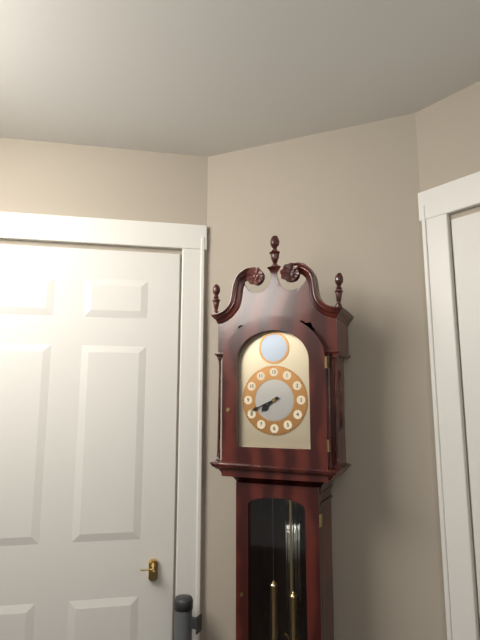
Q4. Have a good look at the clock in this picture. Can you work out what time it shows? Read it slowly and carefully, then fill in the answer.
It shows 7:41
